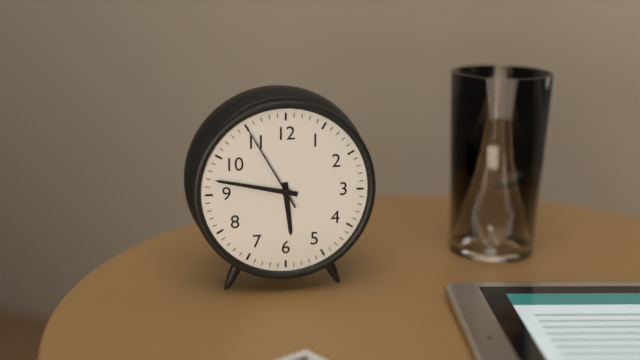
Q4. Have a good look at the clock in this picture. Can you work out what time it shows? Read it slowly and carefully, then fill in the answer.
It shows 5:47:55
